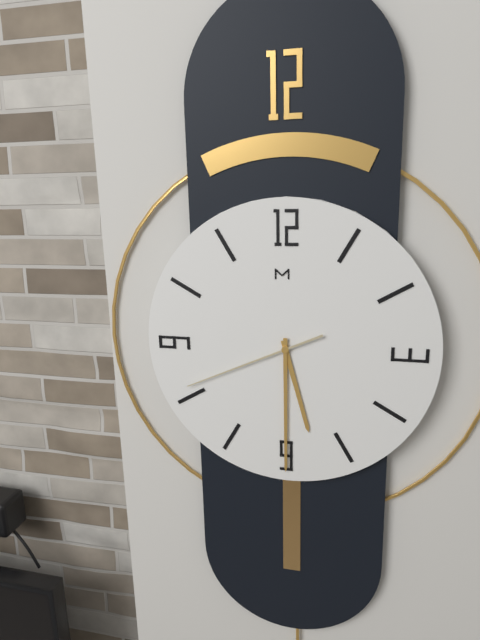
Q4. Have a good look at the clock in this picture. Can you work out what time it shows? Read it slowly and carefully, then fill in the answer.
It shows 5:30:41
